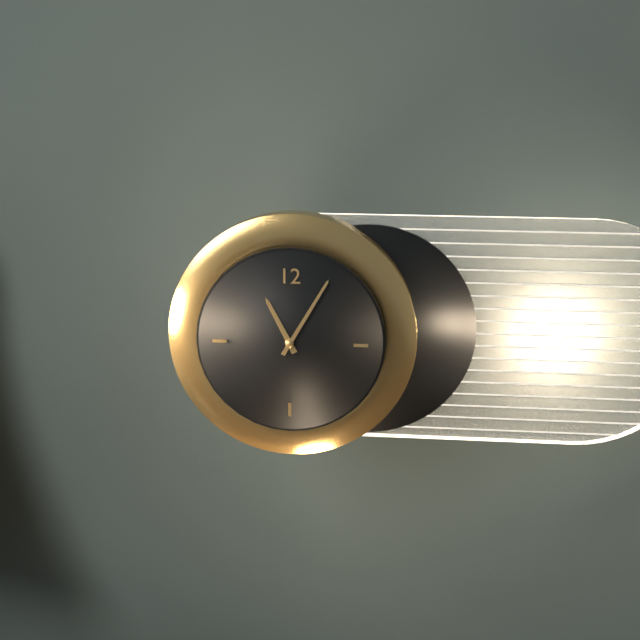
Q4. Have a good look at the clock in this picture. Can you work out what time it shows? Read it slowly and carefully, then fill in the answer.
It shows 11:05
